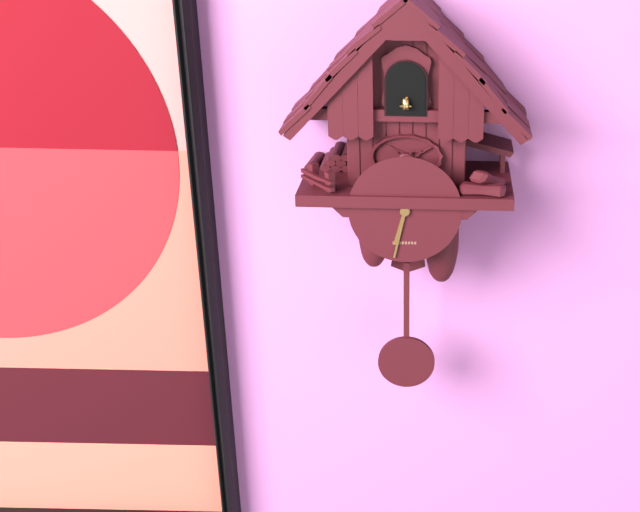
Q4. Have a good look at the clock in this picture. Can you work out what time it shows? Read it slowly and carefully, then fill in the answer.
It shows 6:32
